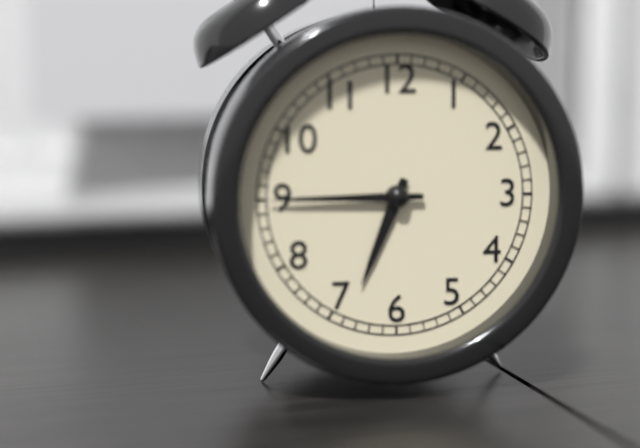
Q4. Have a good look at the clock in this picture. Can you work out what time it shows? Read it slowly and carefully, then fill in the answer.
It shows 6:45
